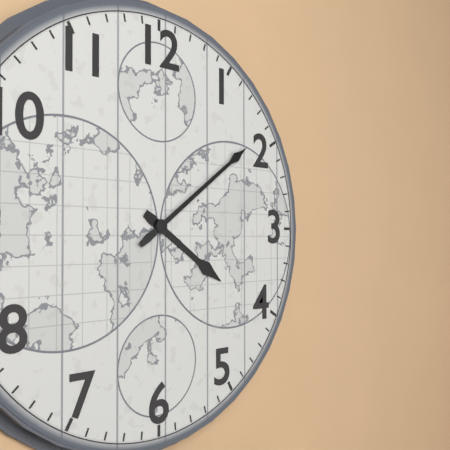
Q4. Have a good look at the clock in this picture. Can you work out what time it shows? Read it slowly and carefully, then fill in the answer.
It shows 4:09
